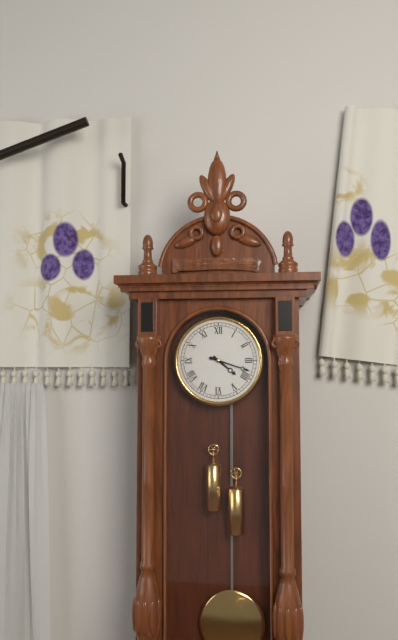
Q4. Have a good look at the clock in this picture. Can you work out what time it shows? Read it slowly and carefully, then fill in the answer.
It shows 4:18
